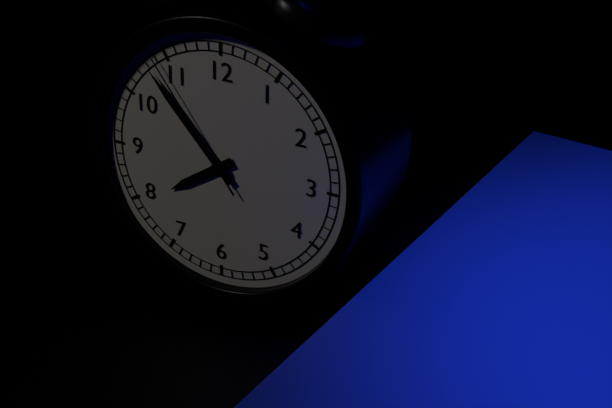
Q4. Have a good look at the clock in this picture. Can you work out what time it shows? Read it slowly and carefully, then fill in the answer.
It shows 7:53:54
